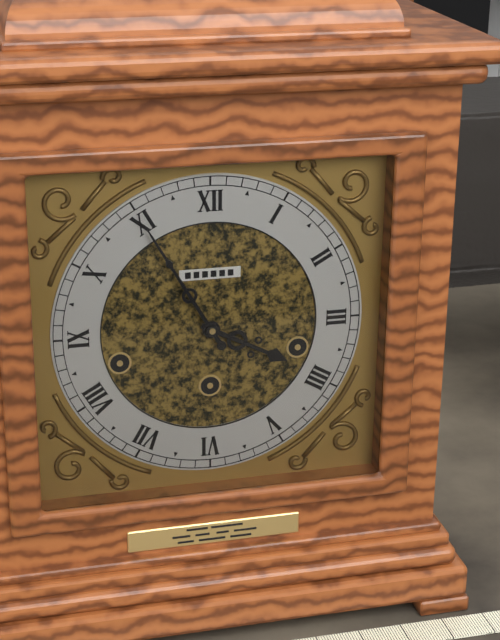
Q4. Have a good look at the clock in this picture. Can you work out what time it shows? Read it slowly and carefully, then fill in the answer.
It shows 3:55
